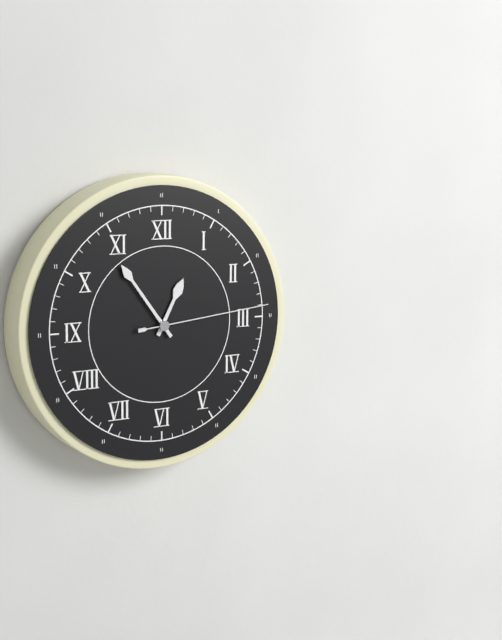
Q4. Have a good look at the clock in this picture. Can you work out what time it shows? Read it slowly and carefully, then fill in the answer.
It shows 12:54:14
